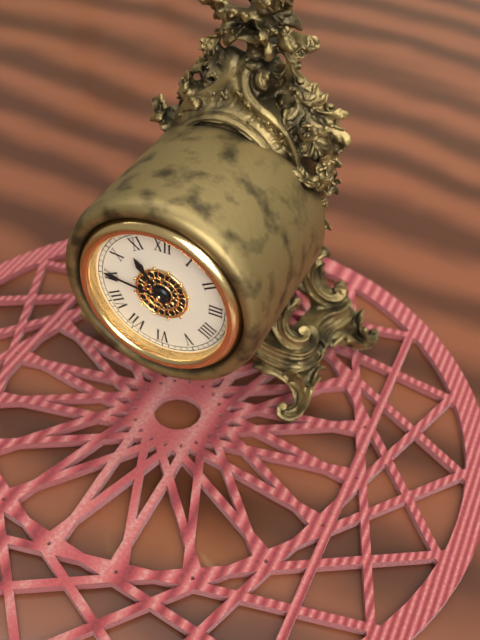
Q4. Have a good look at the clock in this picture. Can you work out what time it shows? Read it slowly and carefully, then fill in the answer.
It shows 10:46
